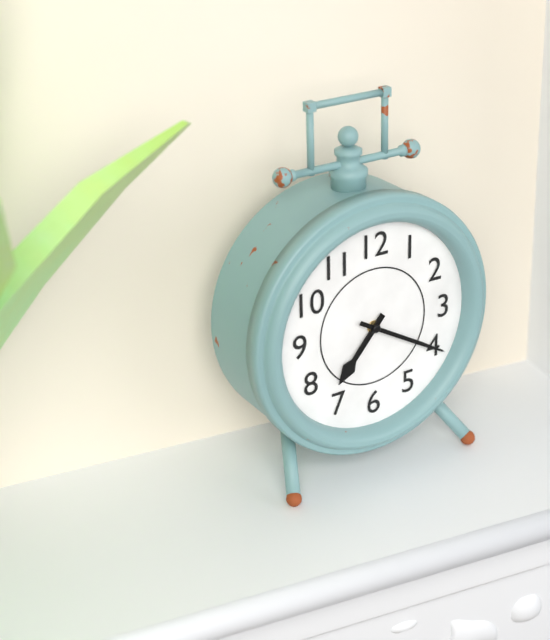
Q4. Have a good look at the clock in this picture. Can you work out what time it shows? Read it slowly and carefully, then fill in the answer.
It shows 7:20
